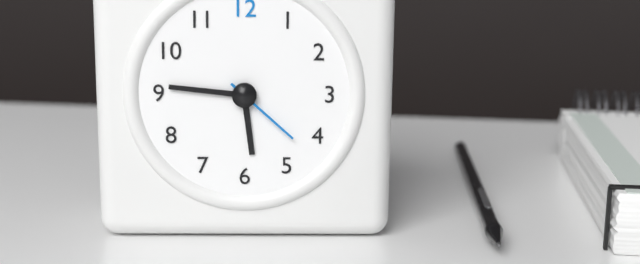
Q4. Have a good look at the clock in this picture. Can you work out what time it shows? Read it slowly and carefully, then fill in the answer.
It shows 5:46:22
